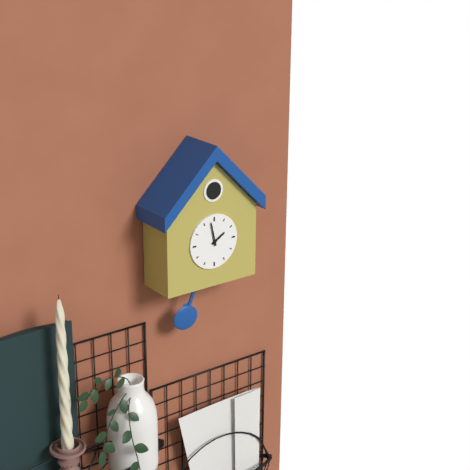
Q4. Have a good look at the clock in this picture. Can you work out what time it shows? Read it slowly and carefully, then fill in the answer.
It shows 1:58
